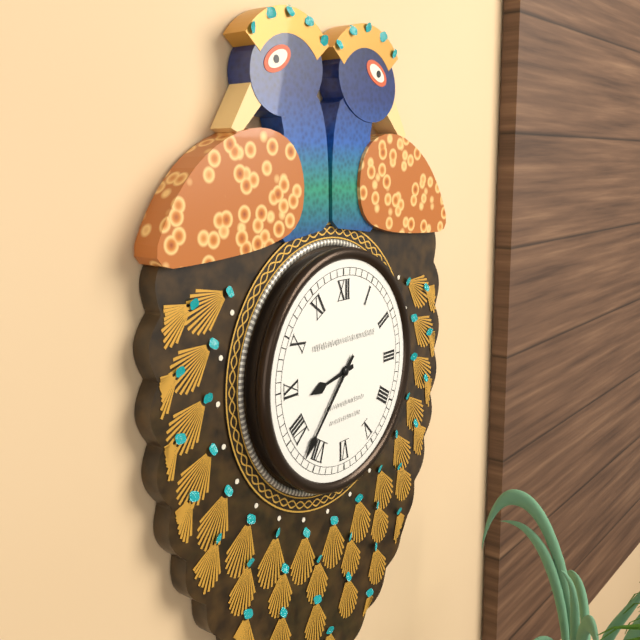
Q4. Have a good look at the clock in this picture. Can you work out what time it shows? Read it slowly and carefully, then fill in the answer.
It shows 8:37
